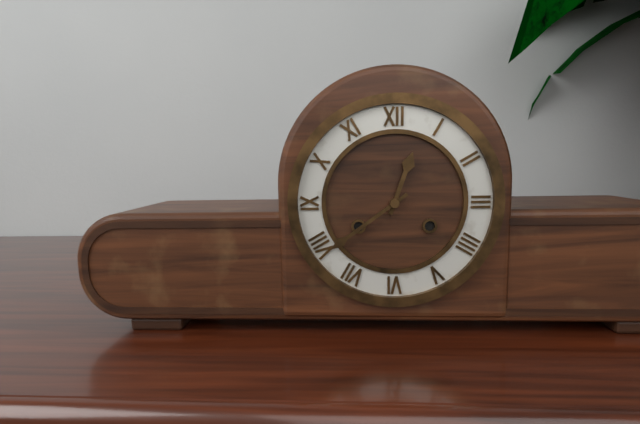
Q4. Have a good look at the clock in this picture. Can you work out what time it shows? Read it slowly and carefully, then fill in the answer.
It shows 12:39
